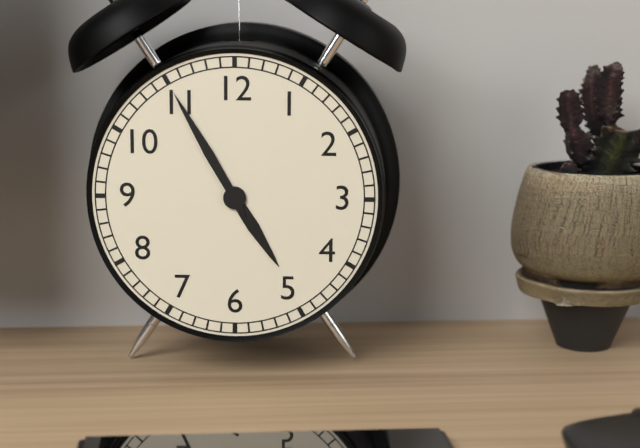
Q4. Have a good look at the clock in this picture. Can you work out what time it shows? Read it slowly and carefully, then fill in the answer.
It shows 4:55
